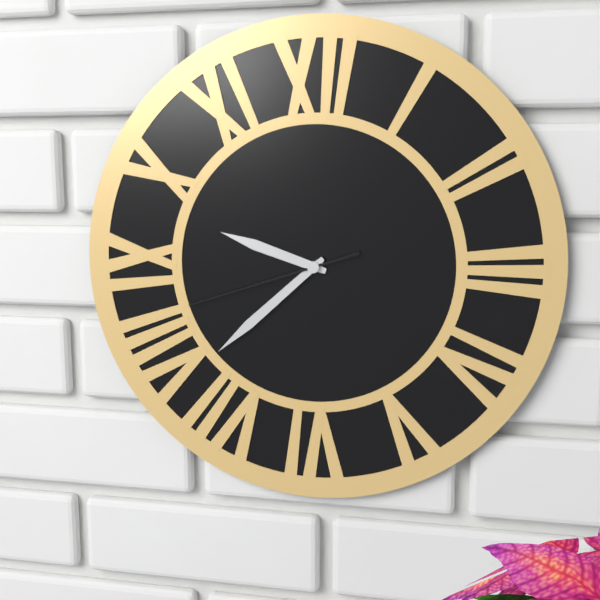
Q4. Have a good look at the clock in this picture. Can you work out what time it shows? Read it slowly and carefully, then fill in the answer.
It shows 9:38:42
